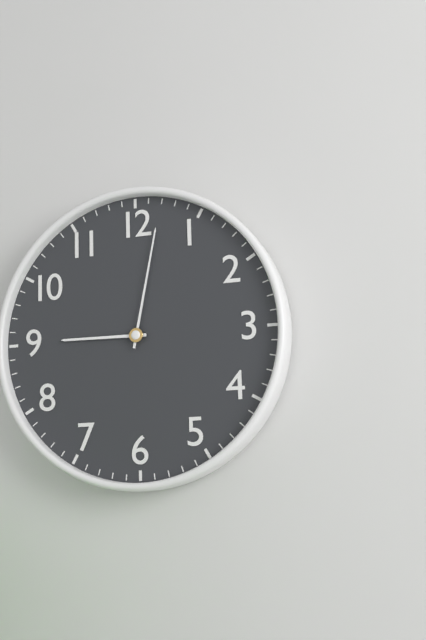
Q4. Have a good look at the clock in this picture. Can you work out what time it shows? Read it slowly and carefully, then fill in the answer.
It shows 9:02
